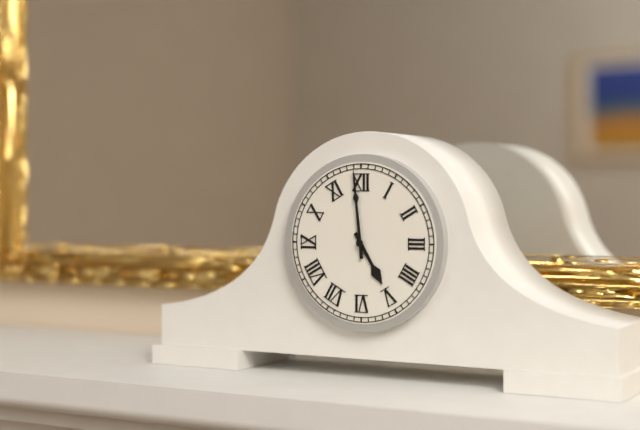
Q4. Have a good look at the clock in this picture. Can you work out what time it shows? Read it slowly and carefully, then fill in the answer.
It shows 4:59
